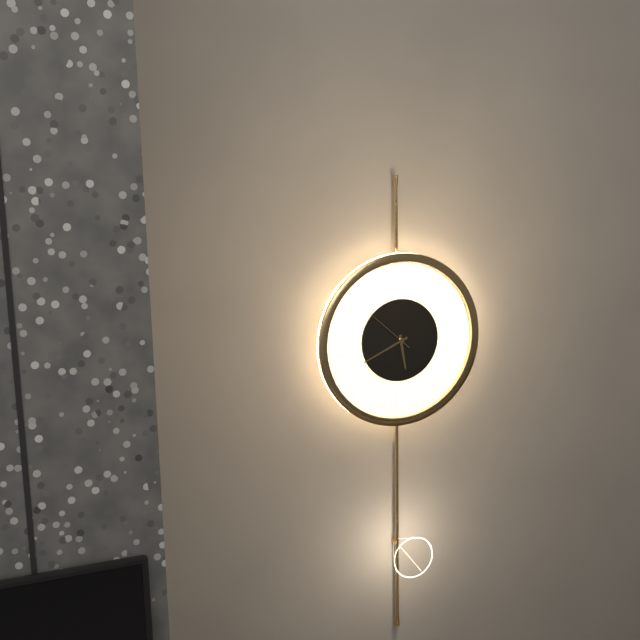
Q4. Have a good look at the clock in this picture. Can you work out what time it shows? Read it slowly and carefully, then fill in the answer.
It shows 5:41:52
